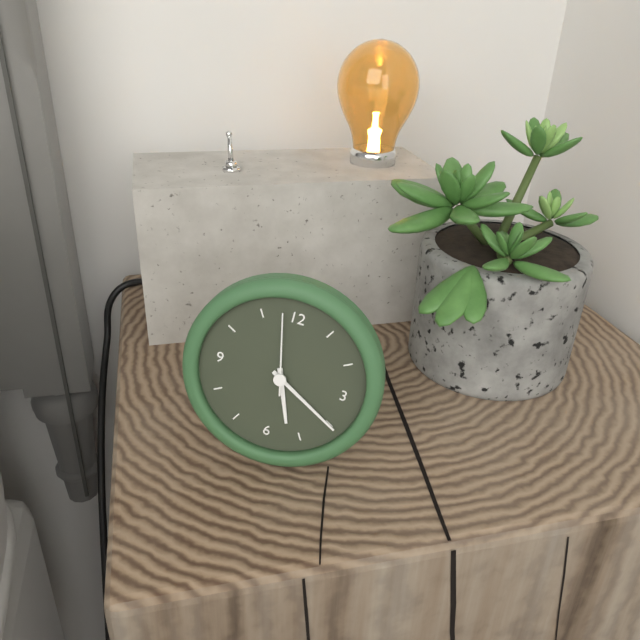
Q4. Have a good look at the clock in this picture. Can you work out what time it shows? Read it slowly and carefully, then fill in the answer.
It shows 5:20:58
